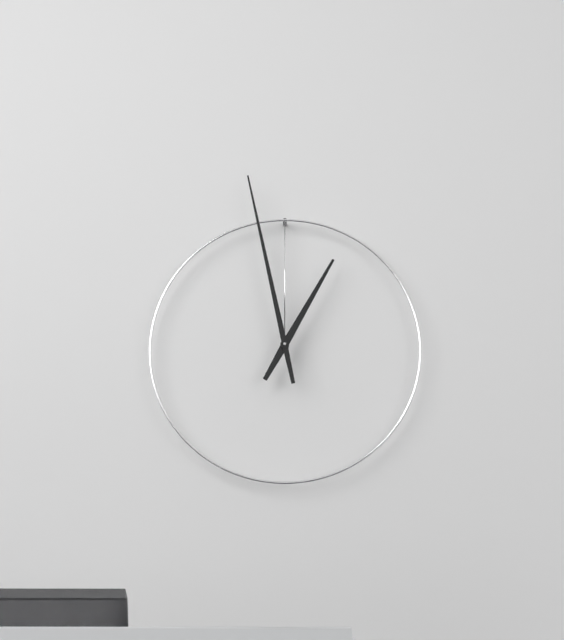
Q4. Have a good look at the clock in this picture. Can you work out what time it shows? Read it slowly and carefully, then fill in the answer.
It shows 12:58
